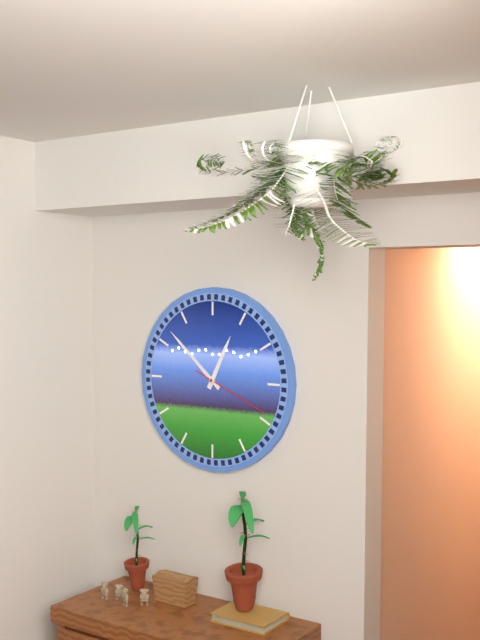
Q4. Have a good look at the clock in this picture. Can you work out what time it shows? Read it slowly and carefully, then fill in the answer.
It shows 12:52:19
